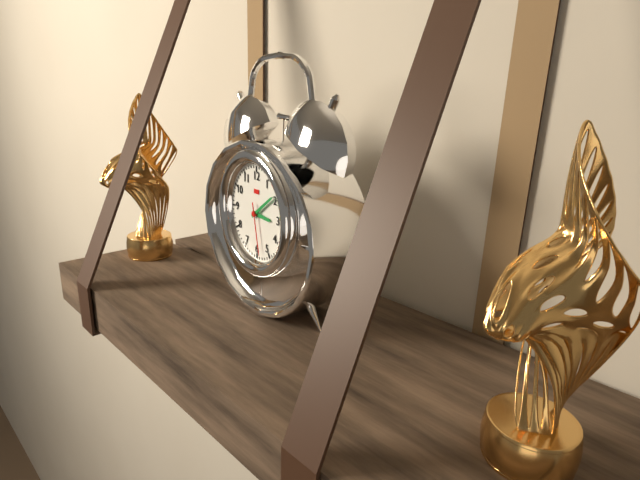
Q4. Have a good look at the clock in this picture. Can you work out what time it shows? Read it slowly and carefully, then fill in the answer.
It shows 3:09:28
